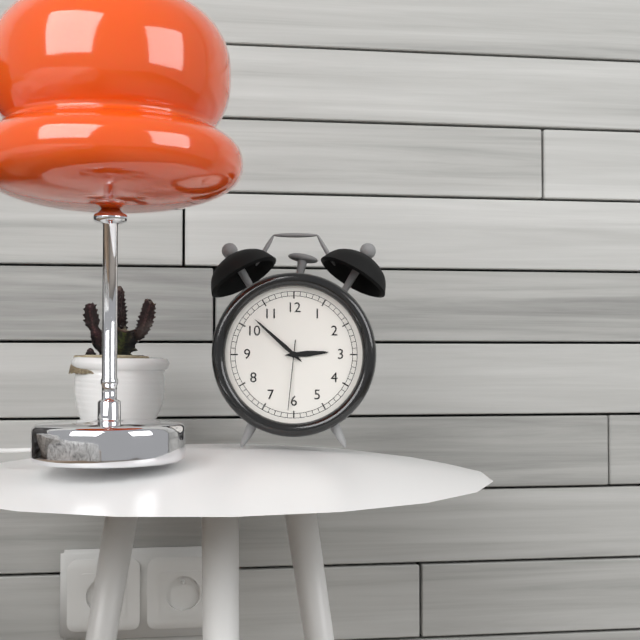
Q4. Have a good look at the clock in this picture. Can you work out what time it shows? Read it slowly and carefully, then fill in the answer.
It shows 2:52:31
